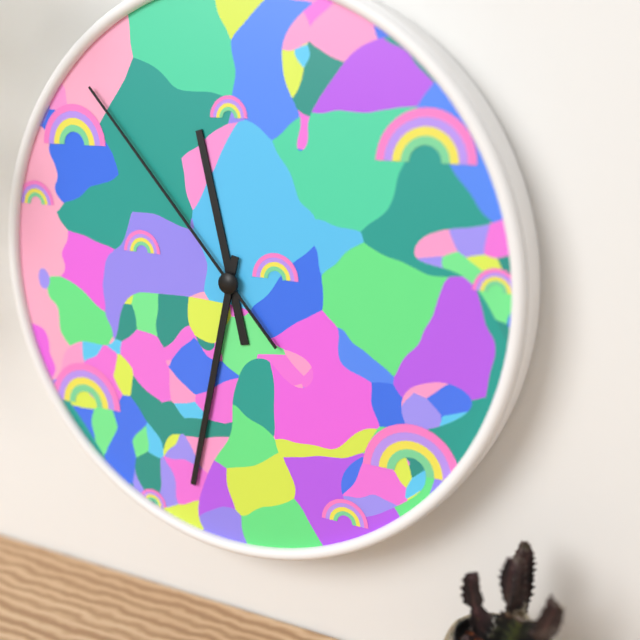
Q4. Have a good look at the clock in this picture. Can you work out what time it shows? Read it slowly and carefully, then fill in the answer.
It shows 11:32:53
